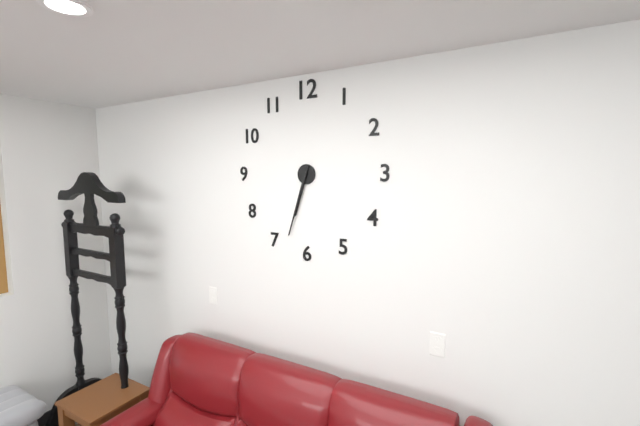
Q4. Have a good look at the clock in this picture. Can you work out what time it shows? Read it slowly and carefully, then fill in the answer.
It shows 6:33
